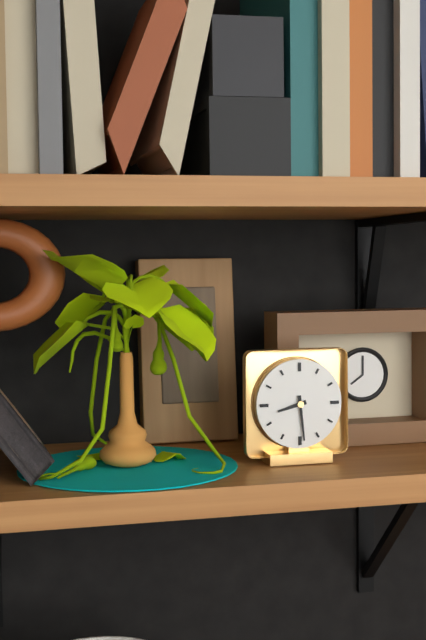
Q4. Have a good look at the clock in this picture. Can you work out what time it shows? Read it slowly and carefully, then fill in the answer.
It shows 8:29
